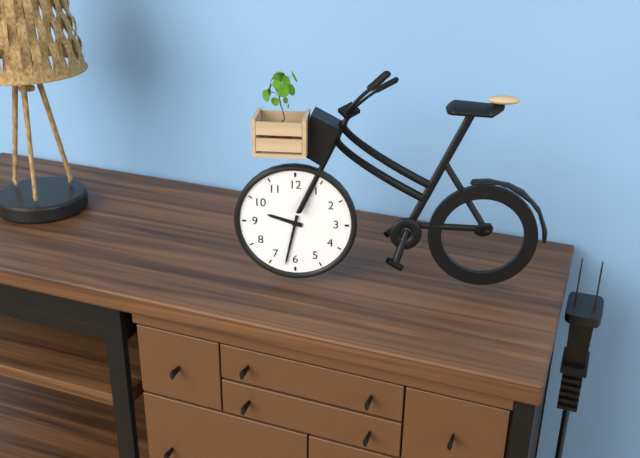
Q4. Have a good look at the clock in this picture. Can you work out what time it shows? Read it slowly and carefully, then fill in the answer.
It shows 9:32
